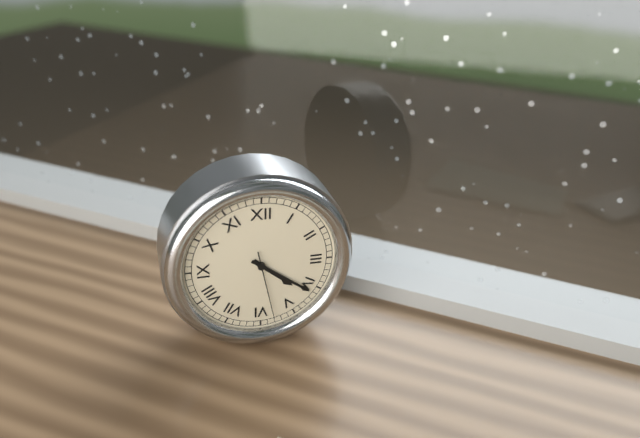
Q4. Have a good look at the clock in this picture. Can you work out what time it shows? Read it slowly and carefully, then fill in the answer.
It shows 4:21:28
